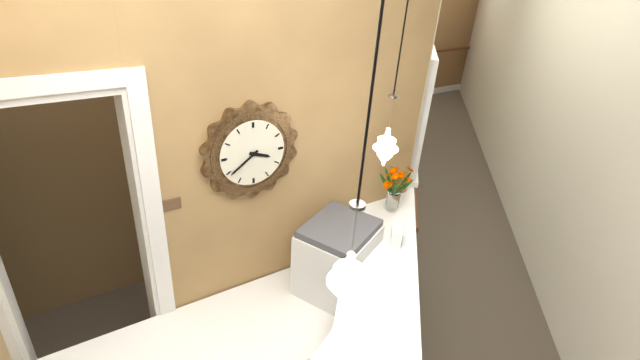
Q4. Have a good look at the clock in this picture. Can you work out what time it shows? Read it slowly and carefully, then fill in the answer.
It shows 3:39
